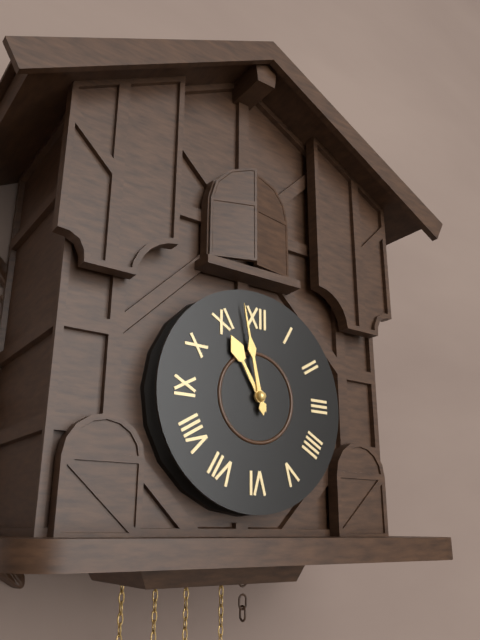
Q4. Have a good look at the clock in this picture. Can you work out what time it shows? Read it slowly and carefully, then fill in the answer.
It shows 10:58
